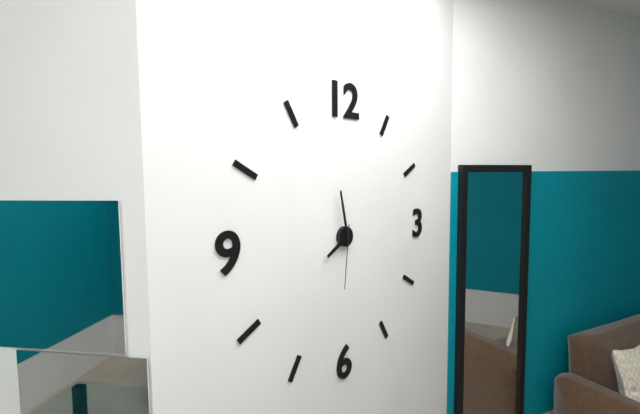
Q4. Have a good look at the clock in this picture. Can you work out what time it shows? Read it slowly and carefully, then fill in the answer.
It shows 7:58:31
